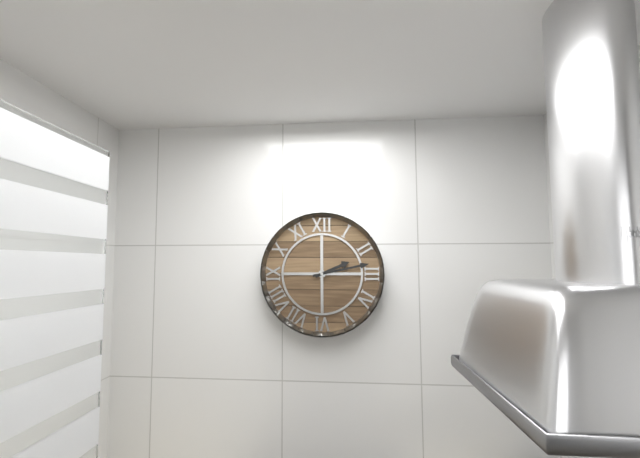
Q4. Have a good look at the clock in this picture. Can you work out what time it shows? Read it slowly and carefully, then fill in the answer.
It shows 2:13
